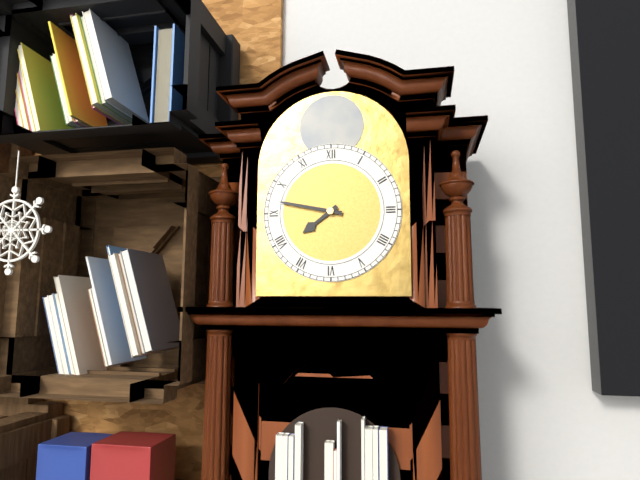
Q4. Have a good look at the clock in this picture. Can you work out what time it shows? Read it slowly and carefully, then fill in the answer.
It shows 7:47
